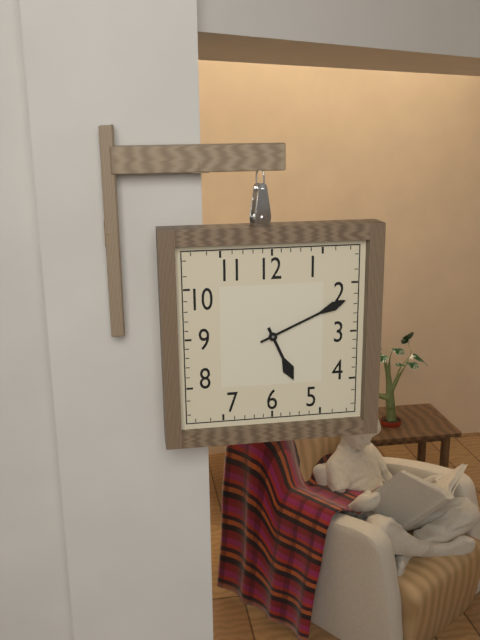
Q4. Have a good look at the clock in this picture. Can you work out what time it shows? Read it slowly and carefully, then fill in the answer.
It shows 5:11
